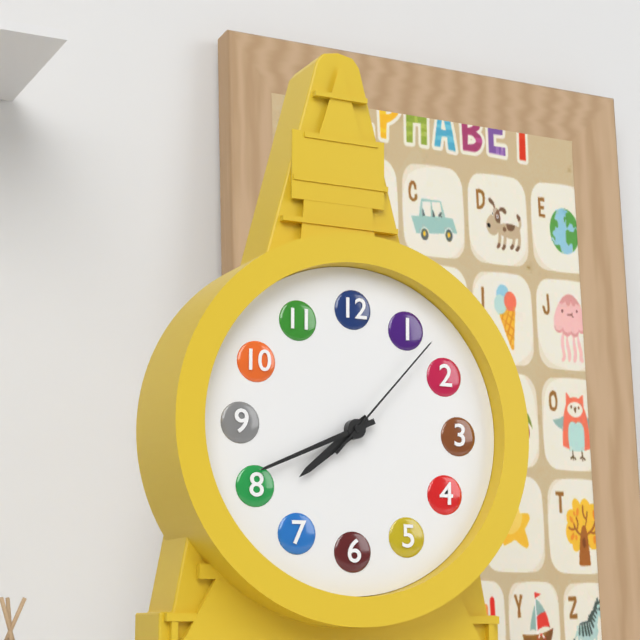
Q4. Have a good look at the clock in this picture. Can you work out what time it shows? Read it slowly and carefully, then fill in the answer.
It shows 7:41:07
